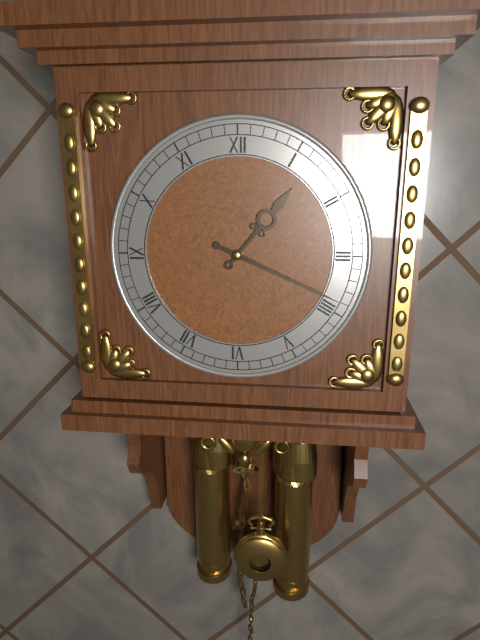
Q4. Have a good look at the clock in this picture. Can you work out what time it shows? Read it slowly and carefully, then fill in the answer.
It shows 1:19
